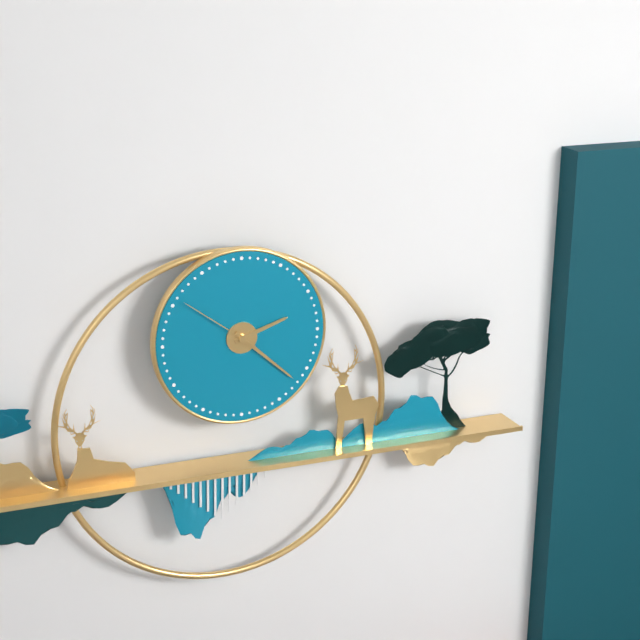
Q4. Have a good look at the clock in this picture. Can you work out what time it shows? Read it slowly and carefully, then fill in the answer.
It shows 2:22:51
